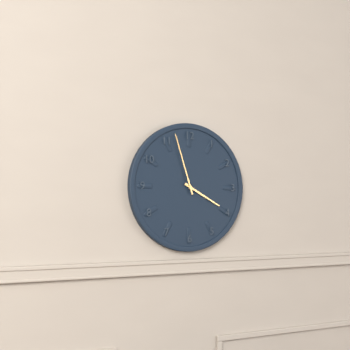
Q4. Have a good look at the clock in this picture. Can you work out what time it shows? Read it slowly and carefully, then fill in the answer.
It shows 3:57
